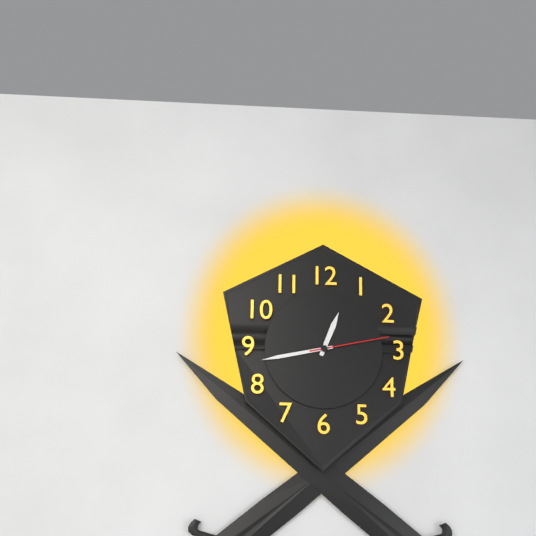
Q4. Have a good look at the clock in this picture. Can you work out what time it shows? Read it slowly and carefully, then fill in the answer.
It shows 12:43:13
